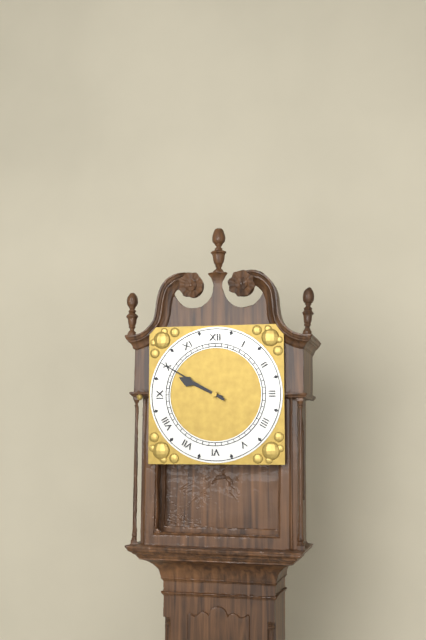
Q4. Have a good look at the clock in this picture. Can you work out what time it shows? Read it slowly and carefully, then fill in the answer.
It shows 9:50
